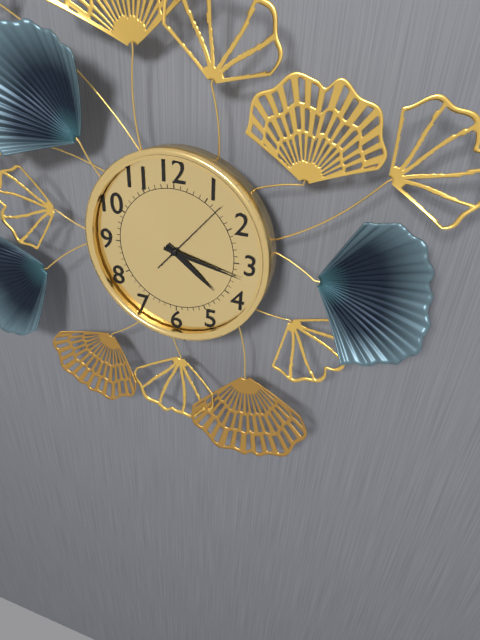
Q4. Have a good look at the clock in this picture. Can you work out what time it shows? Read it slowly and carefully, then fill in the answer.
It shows 4:17:07
